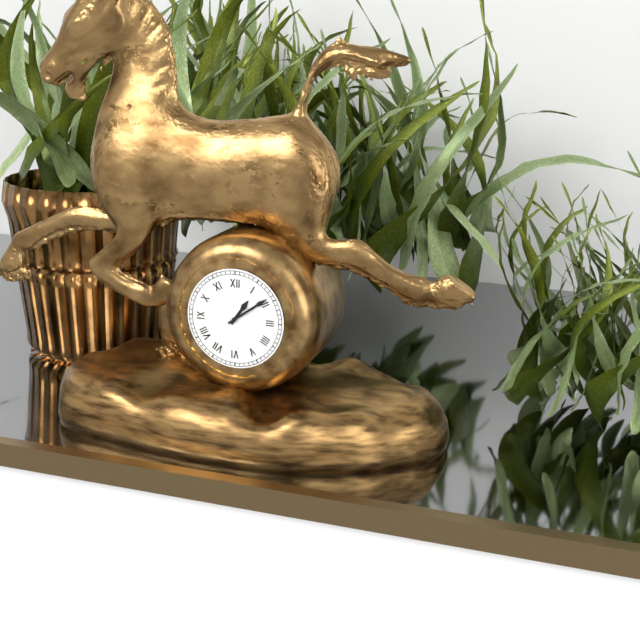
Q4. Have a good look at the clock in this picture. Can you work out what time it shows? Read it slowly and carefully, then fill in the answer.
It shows 1:09
